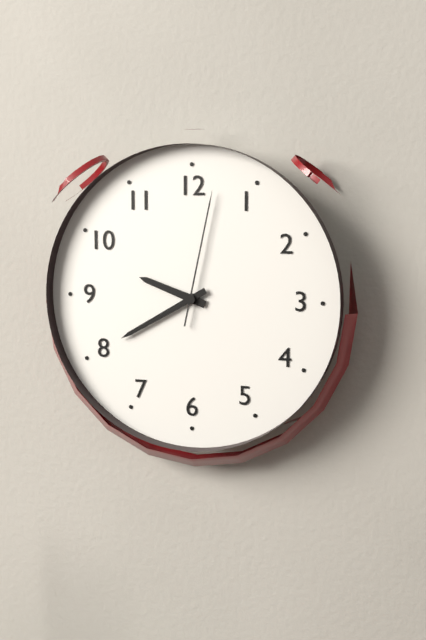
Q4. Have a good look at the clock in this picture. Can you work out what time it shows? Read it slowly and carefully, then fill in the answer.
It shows 9:40:02
